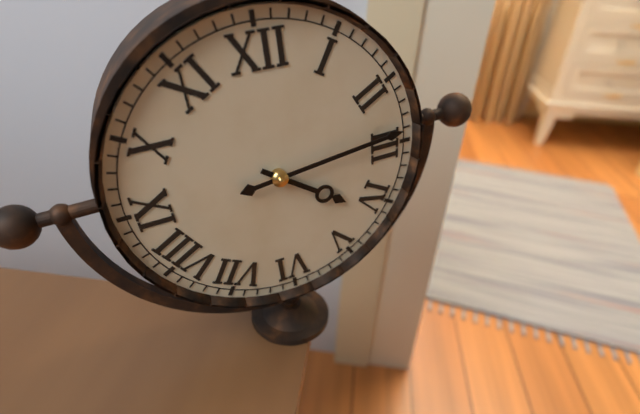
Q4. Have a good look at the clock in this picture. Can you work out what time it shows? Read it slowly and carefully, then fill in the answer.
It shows 4:14
